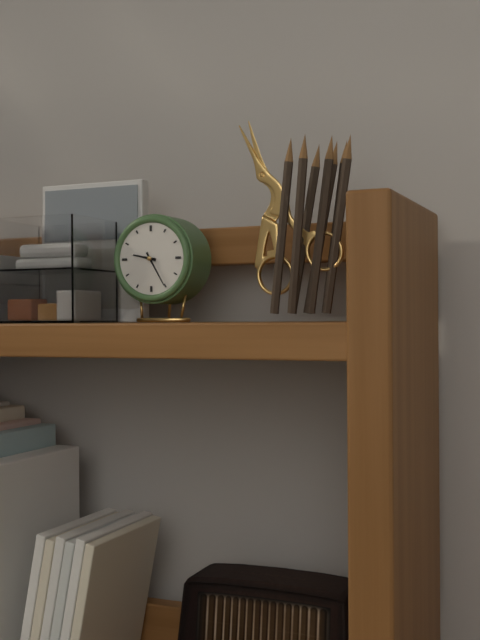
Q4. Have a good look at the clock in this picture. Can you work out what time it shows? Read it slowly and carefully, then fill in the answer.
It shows 9:25
